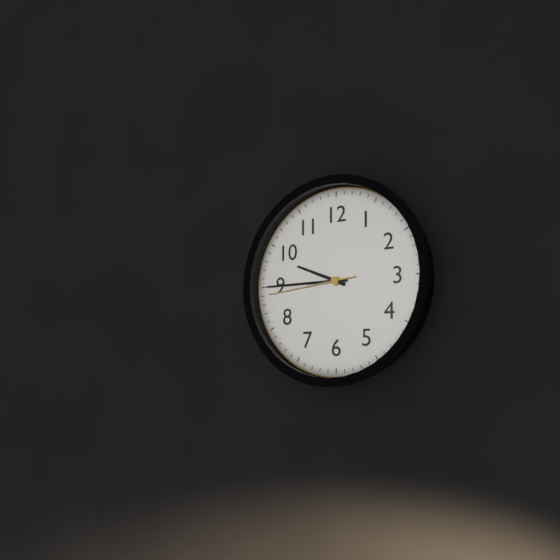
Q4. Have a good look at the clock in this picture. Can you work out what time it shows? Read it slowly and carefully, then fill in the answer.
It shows 9:45:44
